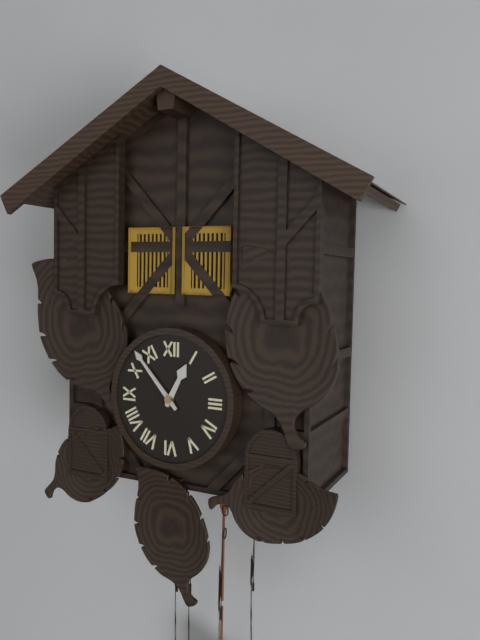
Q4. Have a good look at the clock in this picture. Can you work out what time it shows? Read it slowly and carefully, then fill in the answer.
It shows 12:53
